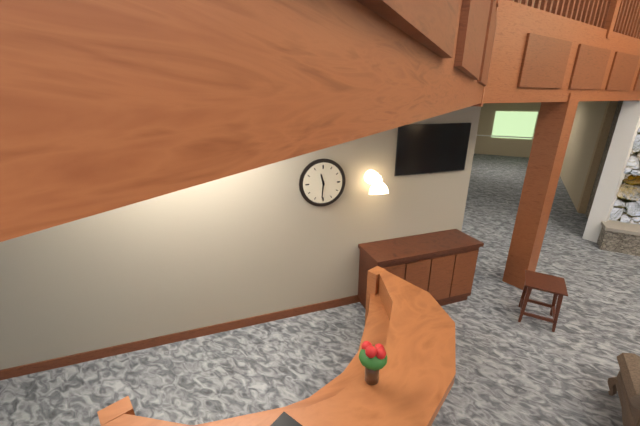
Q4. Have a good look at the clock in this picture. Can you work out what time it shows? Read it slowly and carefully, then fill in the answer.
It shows 11:31
